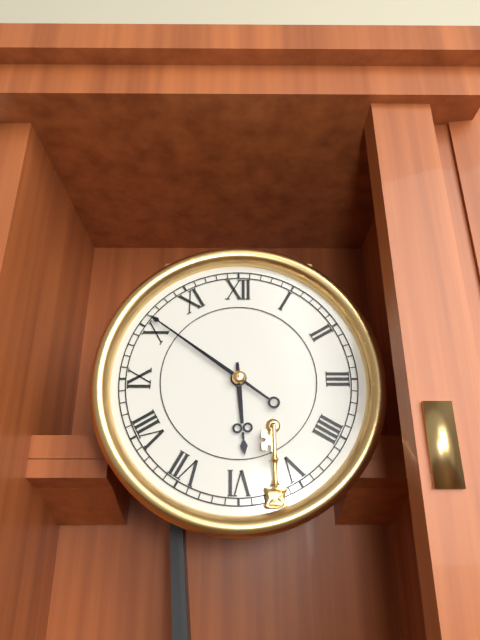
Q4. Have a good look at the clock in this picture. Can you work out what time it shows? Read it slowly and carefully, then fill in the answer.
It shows 5:51
